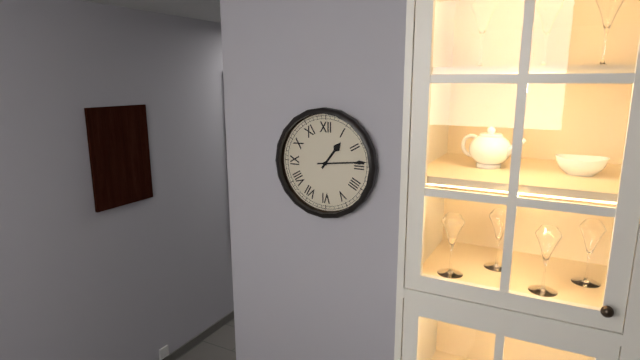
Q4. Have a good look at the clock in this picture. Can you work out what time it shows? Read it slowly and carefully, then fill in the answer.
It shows 1:14
